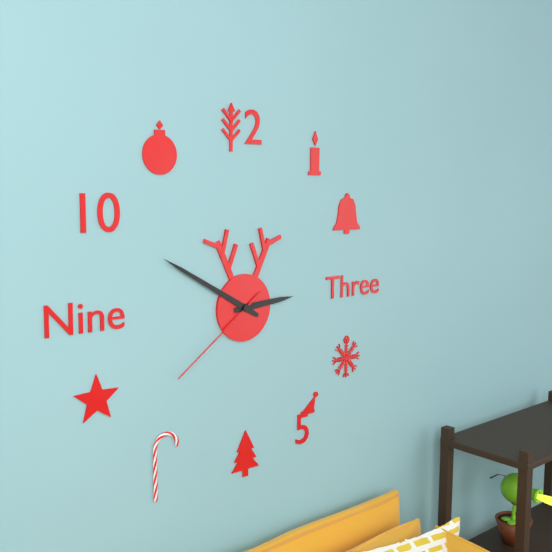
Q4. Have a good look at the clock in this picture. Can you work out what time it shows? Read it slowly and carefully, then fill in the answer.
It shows 2:50:39
